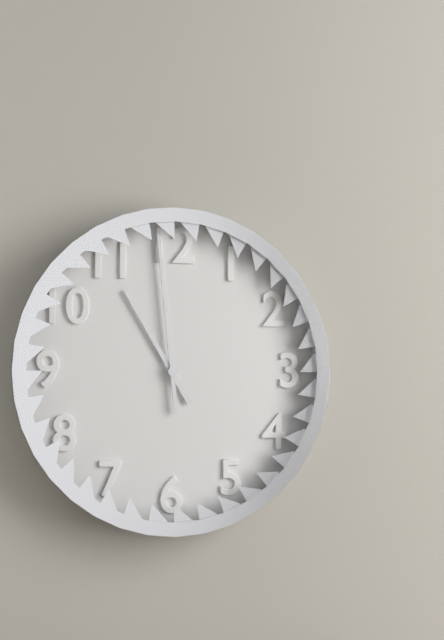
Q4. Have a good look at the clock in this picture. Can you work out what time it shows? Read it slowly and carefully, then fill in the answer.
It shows 10:59
